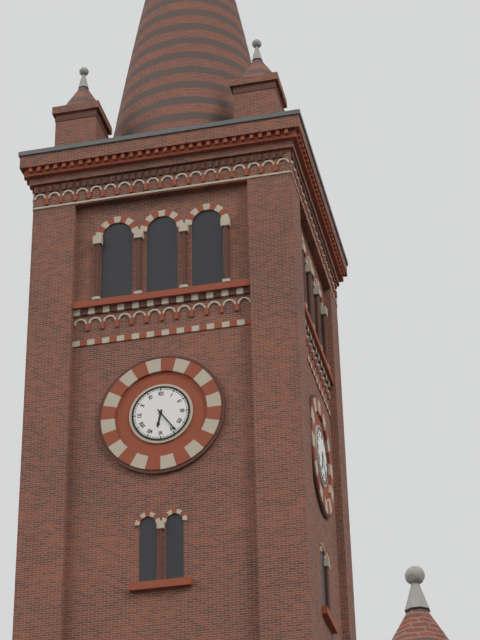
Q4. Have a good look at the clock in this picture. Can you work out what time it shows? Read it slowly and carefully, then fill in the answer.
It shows 6:24
